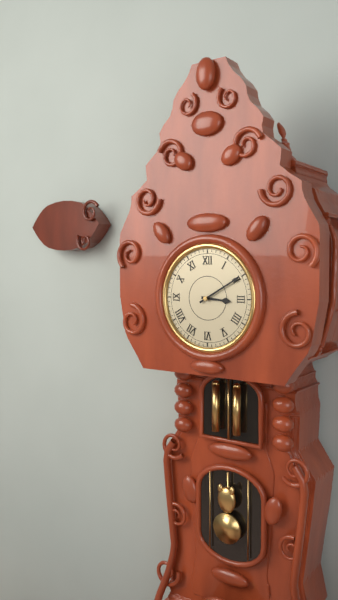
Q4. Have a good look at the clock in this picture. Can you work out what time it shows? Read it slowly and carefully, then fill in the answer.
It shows 3:10
